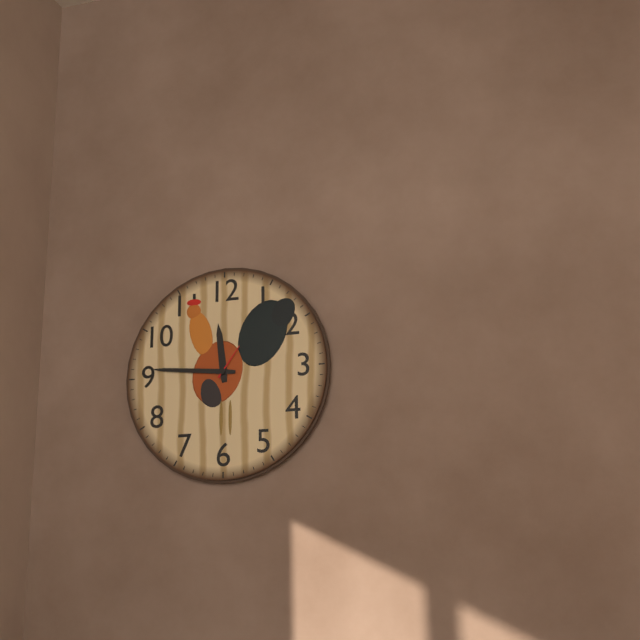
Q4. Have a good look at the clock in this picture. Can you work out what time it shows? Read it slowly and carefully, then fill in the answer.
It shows 11:46
